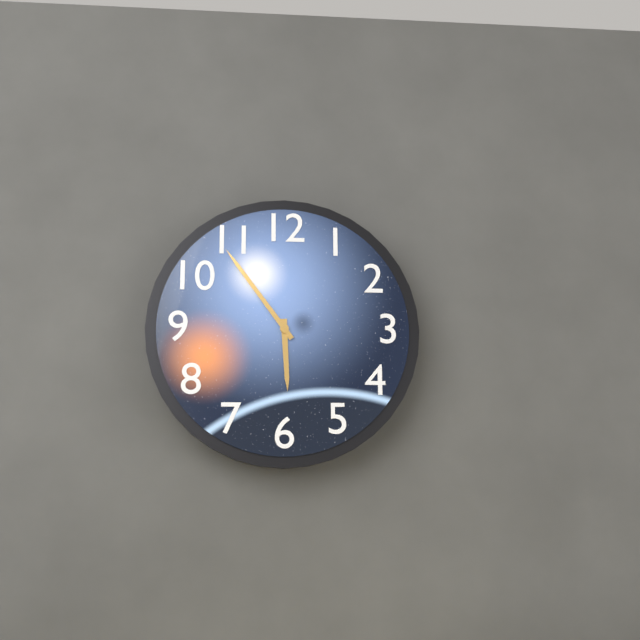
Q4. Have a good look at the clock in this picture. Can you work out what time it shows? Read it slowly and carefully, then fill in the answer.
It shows 5:54
